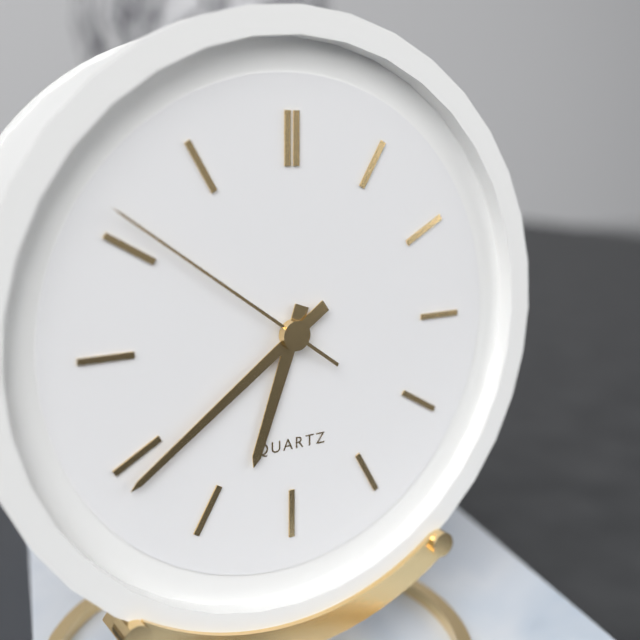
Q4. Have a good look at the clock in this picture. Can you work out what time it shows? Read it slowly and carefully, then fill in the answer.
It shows 6:39:51
